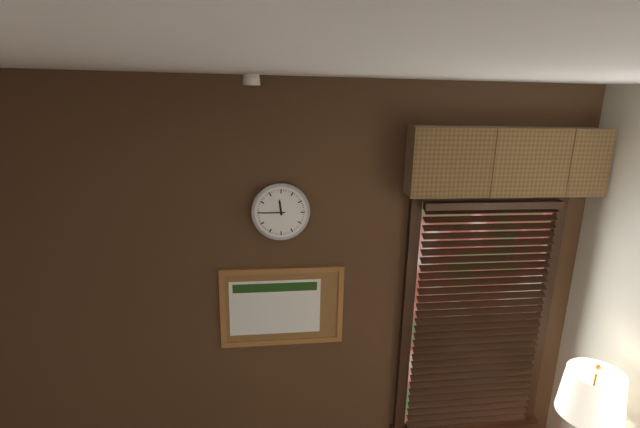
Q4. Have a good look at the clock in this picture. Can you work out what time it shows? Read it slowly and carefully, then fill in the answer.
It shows 11:45
